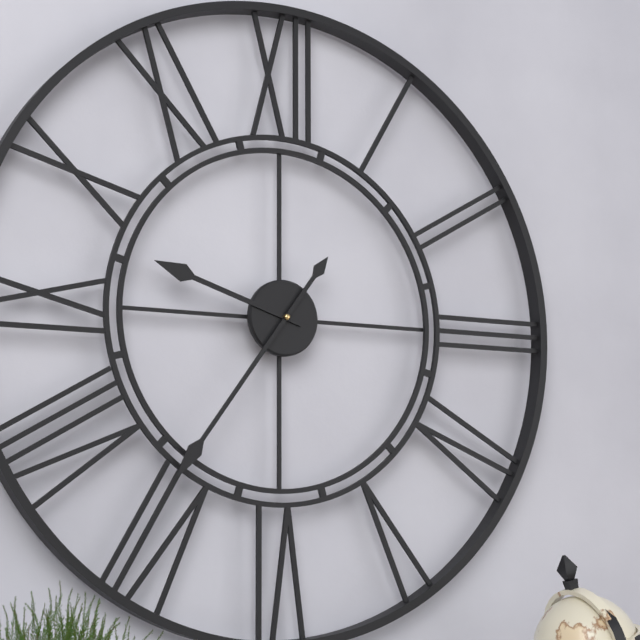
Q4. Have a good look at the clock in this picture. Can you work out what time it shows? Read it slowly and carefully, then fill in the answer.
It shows 9:36
